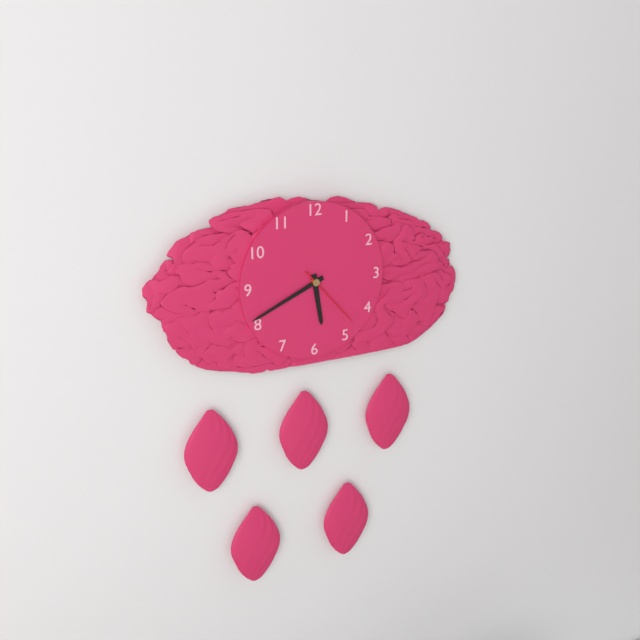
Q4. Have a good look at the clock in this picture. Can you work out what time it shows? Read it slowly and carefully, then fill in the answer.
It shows 5:41:23
